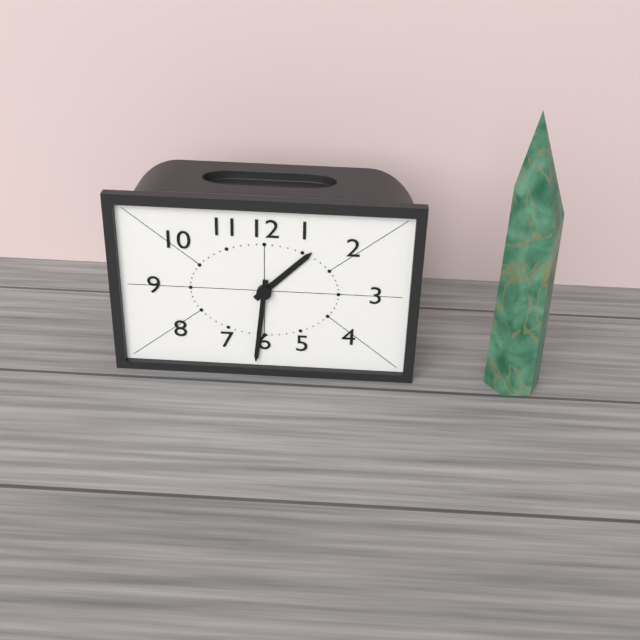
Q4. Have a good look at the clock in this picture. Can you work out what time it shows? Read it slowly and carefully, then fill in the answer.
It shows 1:31
